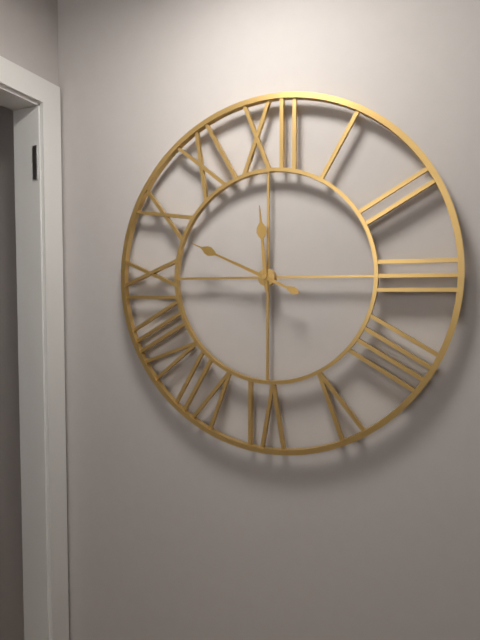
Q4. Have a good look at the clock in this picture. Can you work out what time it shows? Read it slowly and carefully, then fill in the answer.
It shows 11:49
